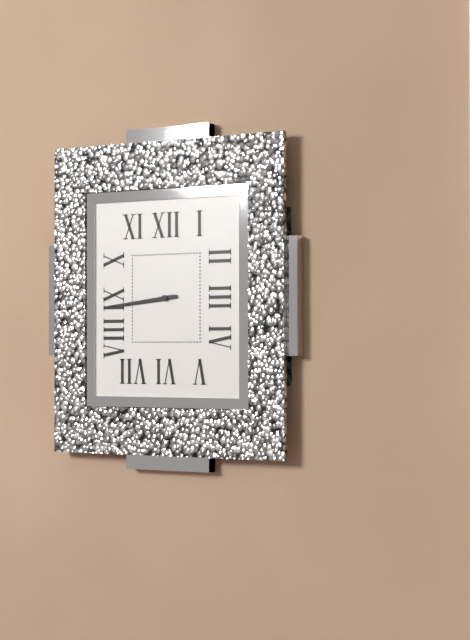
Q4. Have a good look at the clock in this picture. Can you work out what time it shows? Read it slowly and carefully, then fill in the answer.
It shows 8:44
